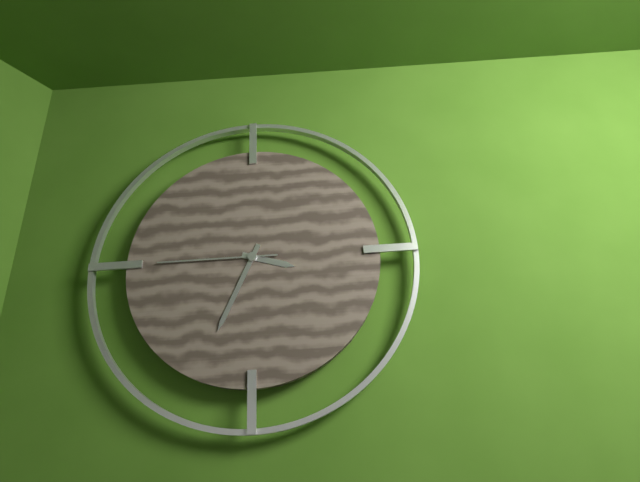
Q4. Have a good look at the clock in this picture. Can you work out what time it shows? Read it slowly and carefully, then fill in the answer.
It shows 3:34:45
